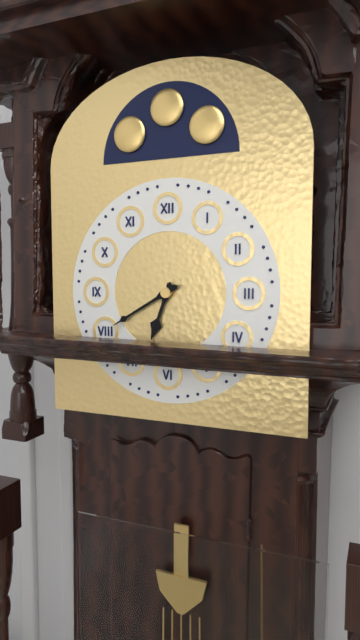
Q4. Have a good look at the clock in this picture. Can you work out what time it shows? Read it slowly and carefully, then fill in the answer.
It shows 6:40
